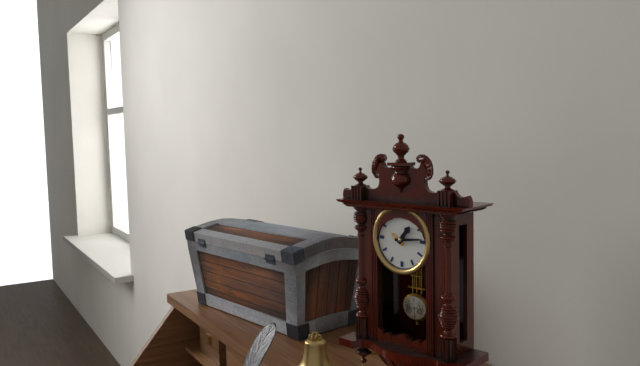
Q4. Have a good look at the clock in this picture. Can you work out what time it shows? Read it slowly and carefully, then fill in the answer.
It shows 1:14
